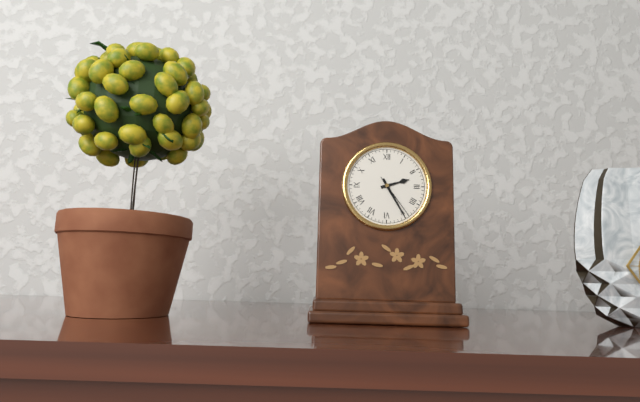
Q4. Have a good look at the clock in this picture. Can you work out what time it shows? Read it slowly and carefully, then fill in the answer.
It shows 2:25
